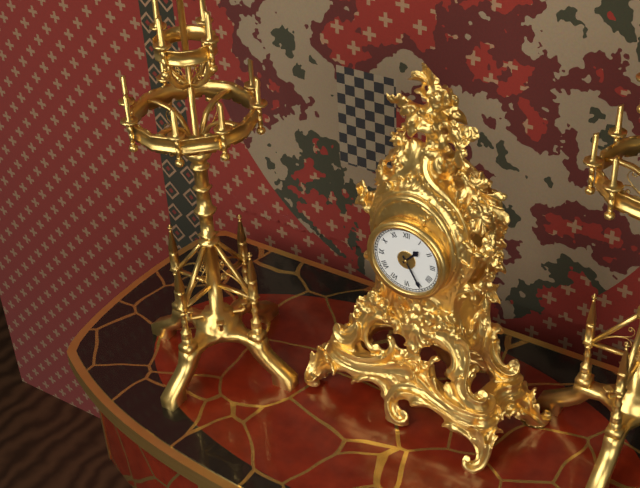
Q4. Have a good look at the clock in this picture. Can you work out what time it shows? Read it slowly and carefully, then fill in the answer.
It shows 1:25
